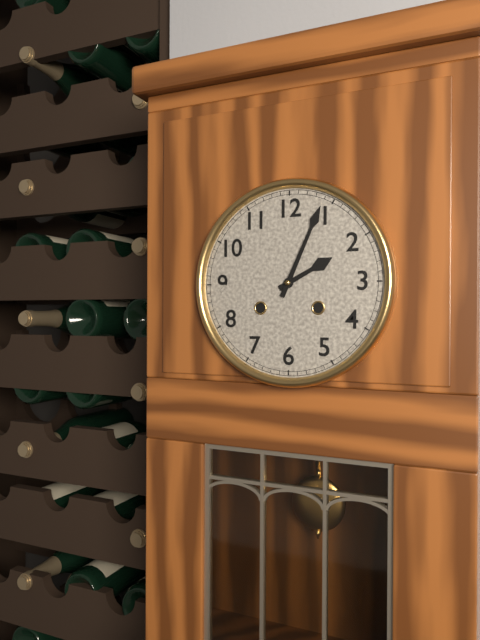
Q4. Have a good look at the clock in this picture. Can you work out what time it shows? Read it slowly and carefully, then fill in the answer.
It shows 2:04
